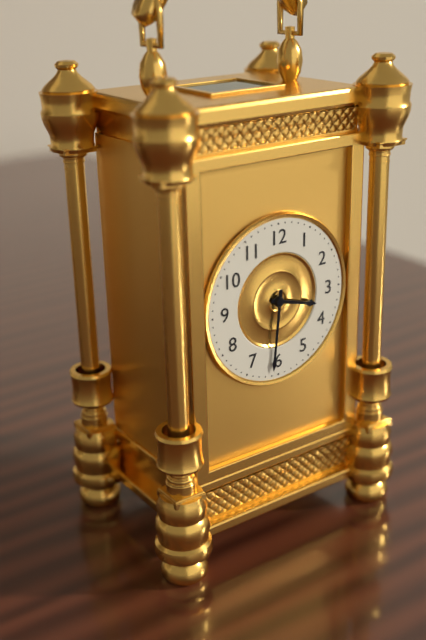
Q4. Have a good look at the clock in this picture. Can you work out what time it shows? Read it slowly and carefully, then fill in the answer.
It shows 3:31
